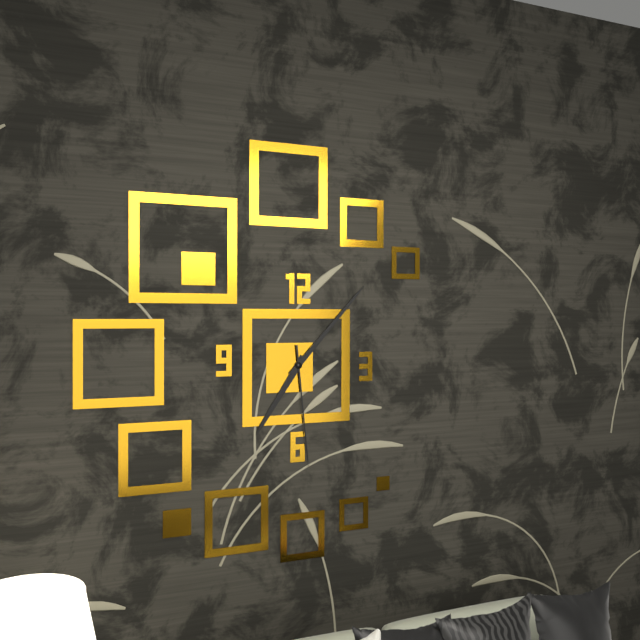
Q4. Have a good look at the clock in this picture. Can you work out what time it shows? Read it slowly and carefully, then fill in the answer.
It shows 7:07:29
